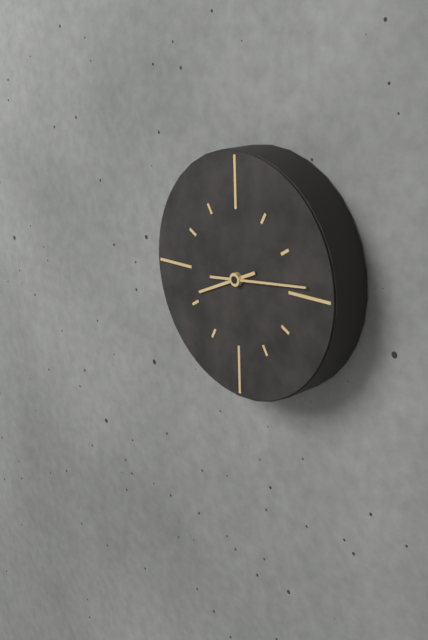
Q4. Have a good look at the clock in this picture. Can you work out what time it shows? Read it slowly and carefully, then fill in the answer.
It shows 8:14
